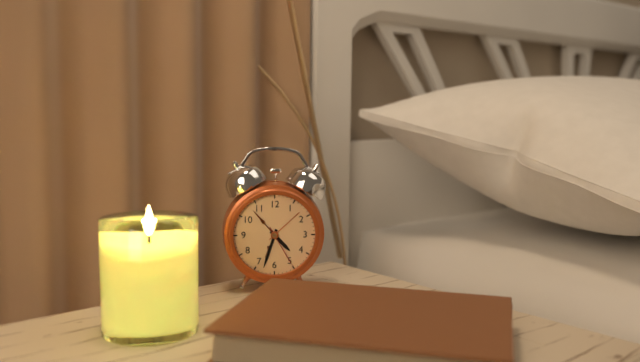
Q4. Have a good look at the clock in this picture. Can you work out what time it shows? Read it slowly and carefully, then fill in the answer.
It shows 4:33
